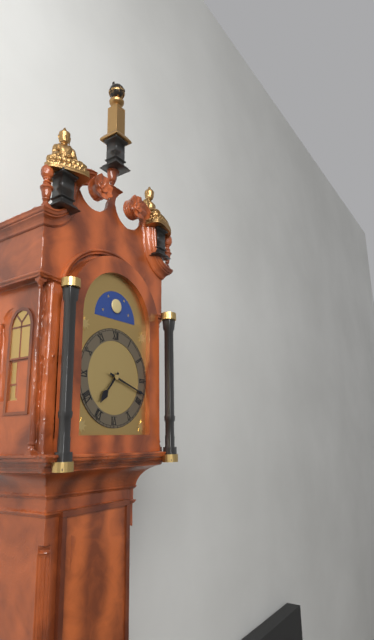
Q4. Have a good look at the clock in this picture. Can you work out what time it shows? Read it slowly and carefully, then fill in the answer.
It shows 7:18
